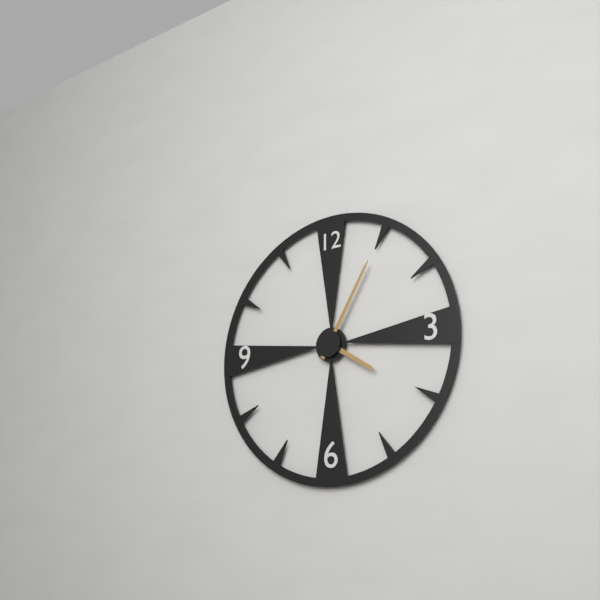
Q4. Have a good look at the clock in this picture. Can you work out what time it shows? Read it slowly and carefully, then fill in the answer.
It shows 4:05
